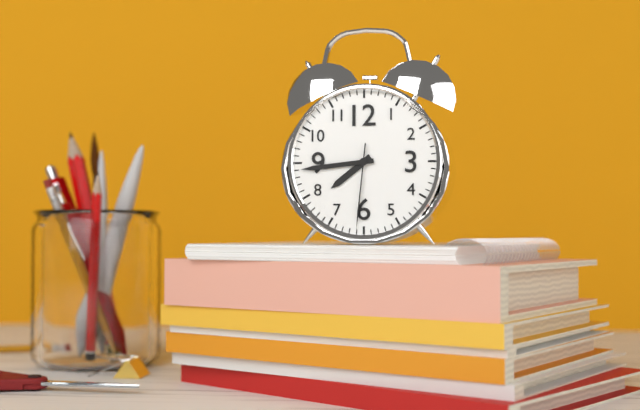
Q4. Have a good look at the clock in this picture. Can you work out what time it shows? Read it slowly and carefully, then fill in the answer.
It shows 7:44:31
